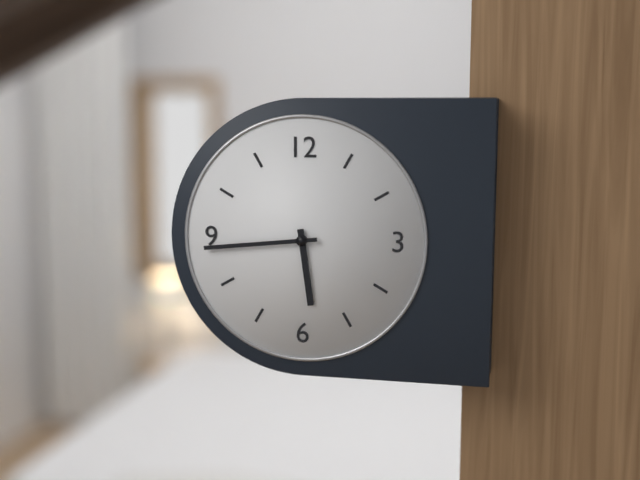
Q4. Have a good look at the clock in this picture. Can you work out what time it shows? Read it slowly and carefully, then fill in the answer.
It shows 5:44
